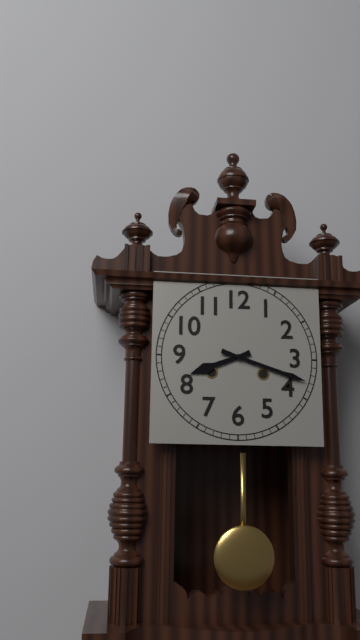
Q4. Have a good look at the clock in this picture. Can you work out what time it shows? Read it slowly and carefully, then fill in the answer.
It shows 8:18
